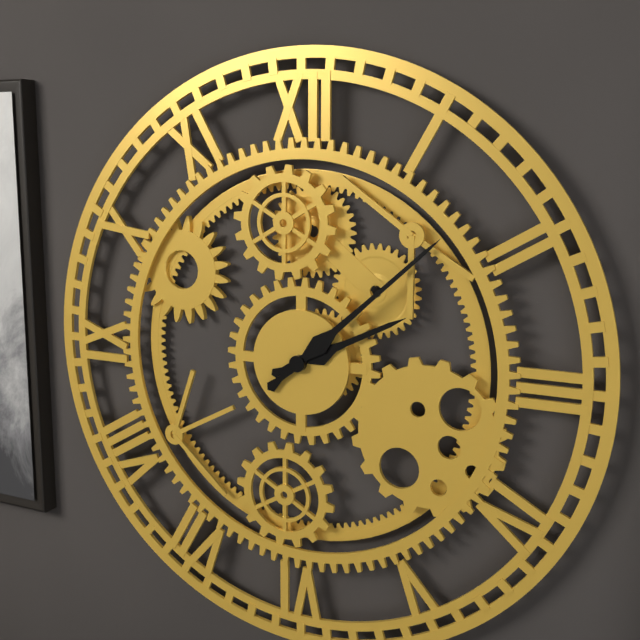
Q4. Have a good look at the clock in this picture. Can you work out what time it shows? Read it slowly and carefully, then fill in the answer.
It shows 2:08
